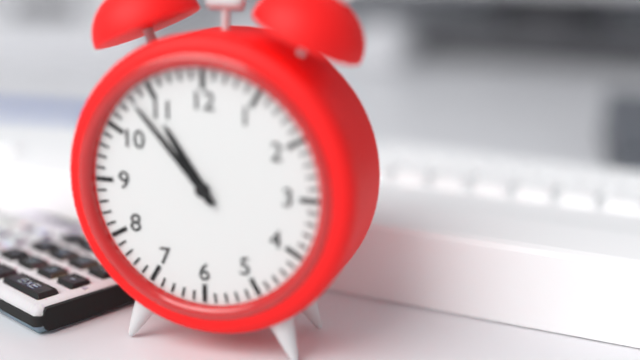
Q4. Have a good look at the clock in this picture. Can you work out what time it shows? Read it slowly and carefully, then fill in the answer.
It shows 10:53
